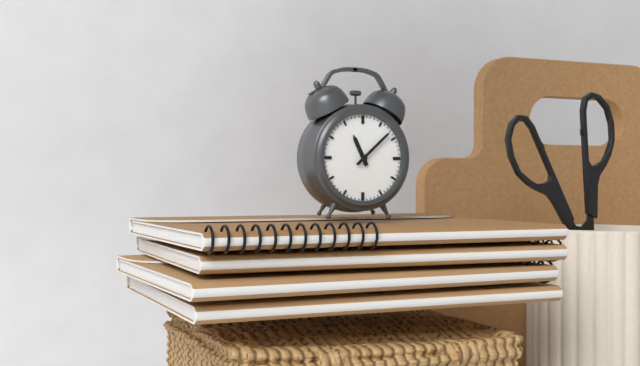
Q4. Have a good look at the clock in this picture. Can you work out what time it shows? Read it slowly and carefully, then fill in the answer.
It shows 11:08
